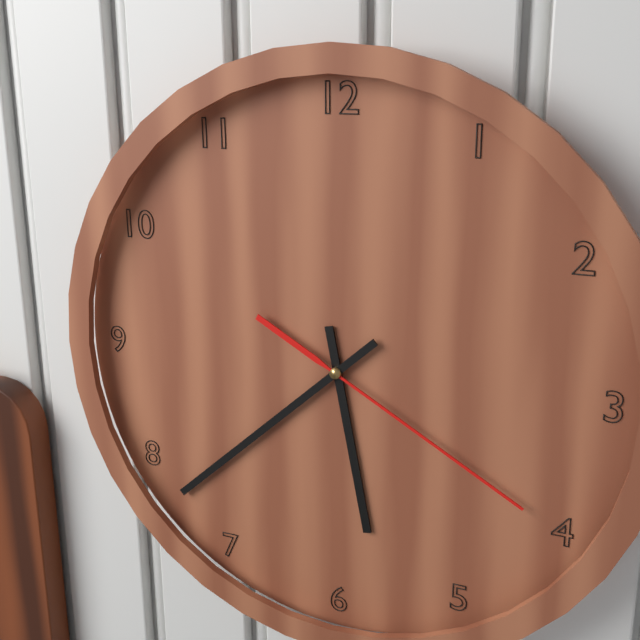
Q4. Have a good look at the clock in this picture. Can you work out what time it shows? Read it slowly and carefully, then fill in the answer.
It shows 5:38:20
